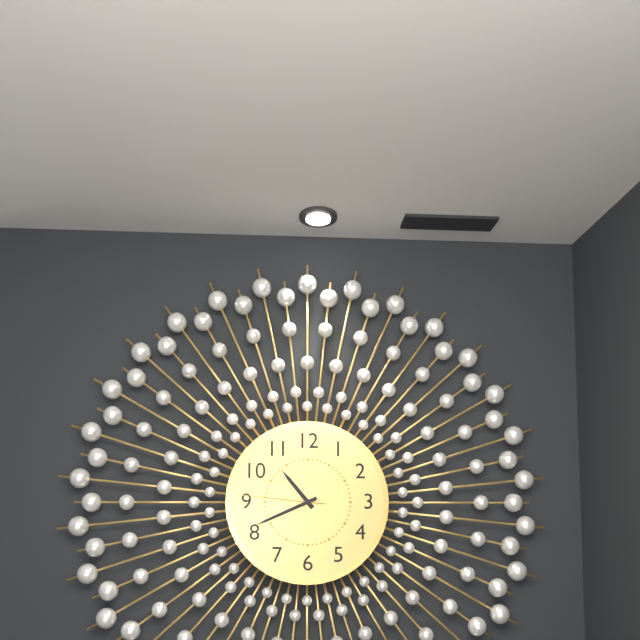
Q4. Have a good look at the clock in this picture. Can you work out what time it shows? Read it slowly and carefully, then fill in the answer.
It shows 10:41:46
